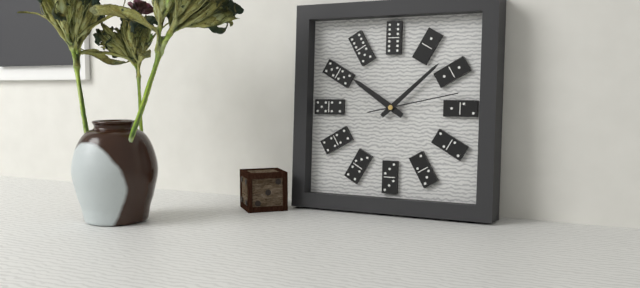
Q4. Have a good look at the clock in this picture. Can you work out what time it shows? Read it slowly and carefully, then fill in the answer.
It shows 10:08:13
